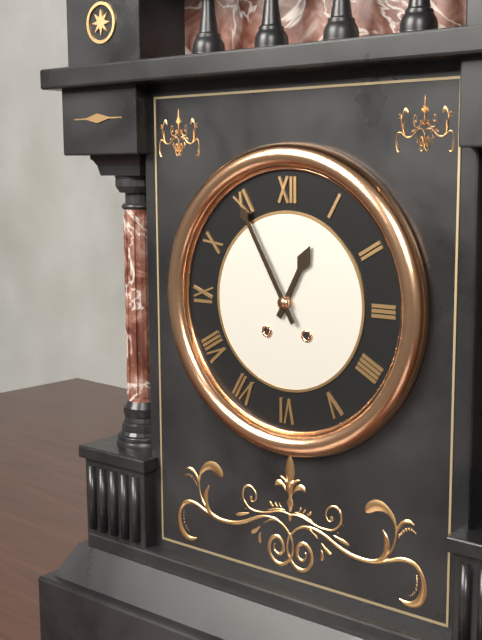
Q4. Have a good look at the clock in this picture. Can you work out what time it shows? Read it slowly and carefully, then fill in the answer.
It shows 12:55
